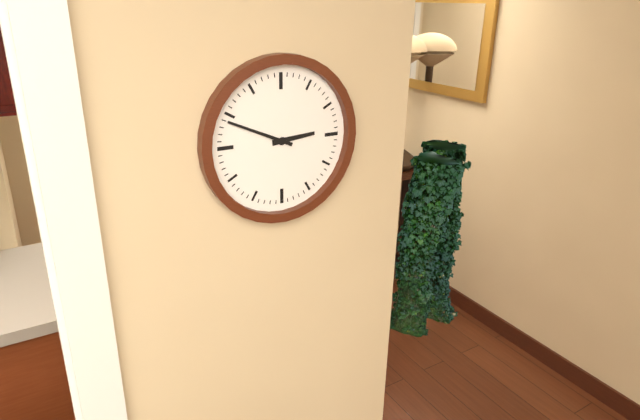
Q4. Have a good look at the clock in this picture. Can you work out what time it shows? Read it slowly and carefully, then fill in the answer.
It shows 2:49
